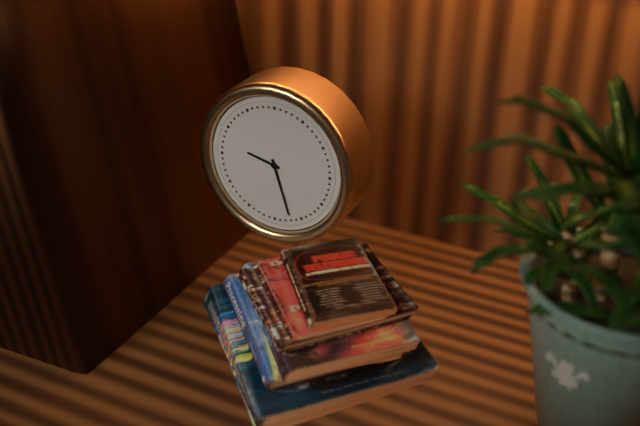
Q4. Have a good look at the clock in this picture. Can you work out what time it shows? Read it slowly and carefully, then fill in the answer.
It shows 9:27
